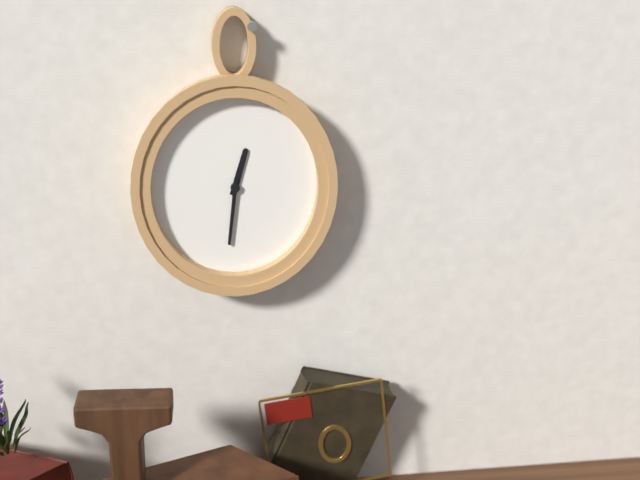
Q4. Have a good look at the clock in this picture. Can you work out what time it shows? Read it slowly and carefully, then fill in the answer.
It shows 12:31
